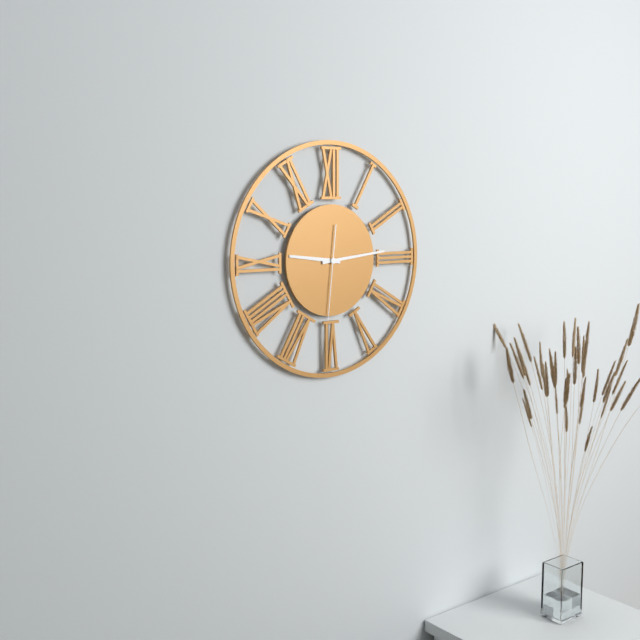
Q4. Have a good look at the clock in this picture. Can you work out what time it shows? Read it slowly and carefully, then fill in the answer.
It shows 9:14:31
